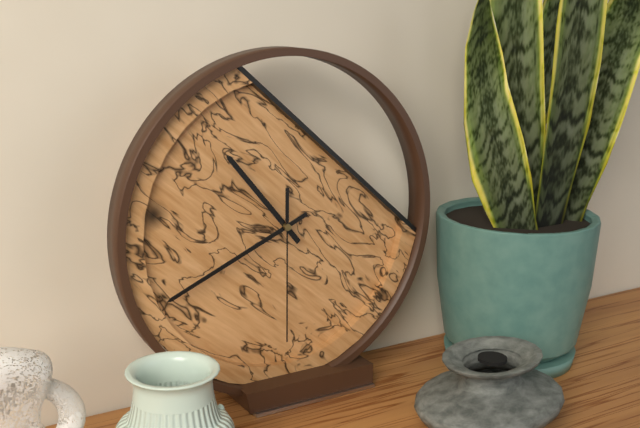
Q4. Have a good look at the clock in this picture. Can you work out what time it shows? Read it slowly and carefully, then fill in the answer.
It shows 10:41:30
